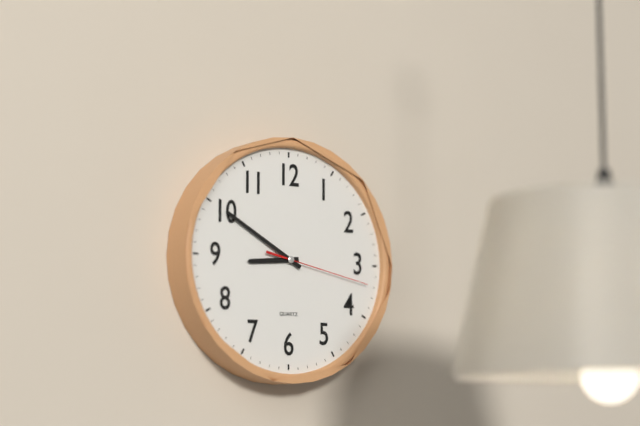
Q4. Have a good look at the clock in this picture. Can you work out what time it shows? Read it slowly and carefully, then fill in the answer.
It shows 8:50:17
